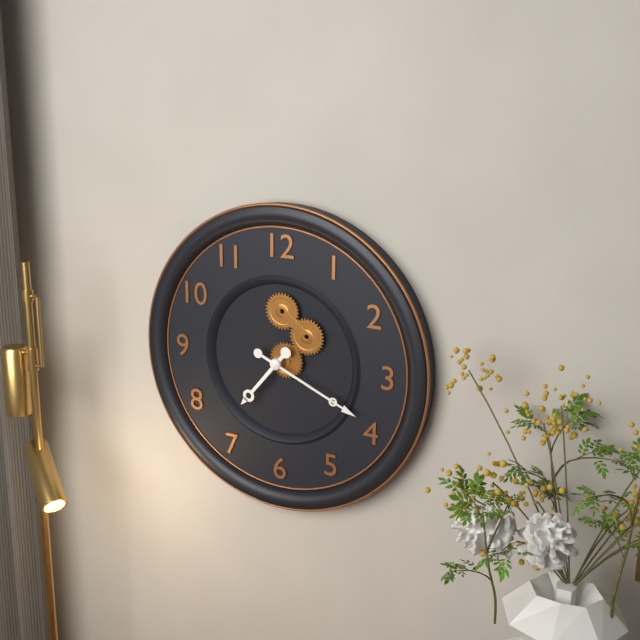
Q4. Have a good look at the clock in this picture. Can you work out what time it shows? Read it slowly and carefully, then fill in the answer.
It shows 7:19
